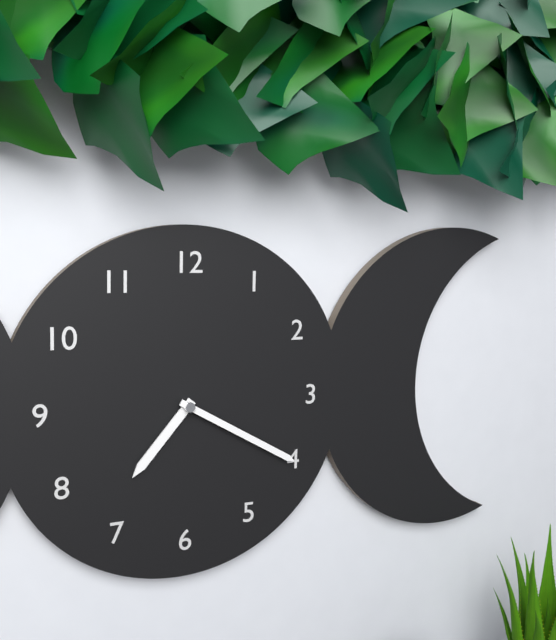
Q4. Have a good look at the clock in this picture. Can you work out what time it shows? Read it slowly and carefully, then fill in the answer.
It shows 7:20
